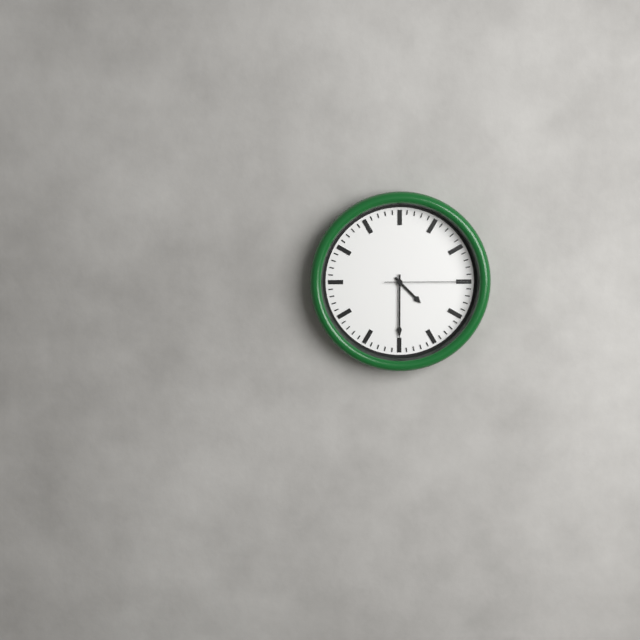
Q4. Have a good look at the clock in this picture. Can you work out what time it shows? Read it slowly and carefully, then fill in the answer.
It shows 4:30:15
